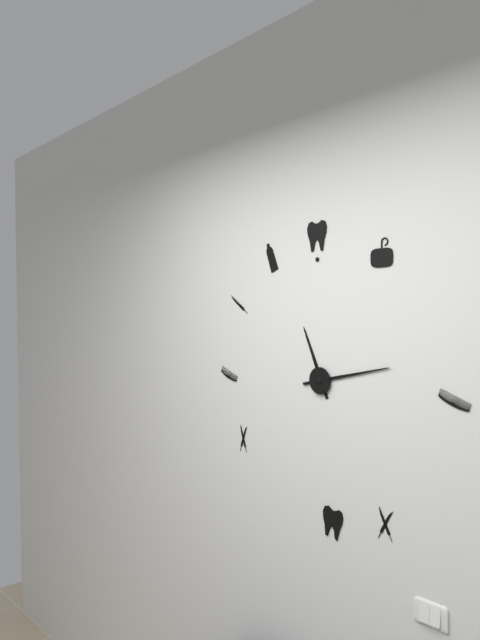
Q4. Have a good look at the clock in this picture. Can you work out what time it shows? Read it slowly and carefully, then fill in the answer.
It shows 11:13
